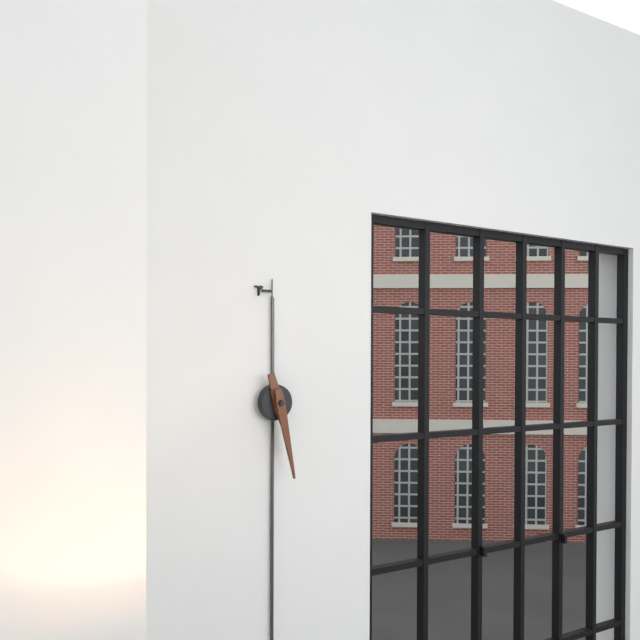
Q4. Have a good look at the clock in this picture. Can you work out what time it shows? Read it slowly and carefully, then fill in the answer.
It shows 5:28
